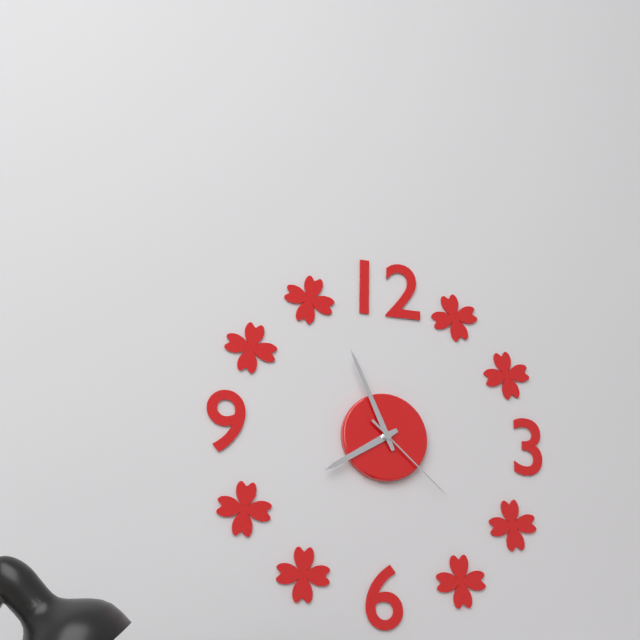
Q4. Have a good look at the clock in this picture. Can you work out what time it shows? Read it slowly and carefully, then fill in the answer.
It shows 7:56:22
